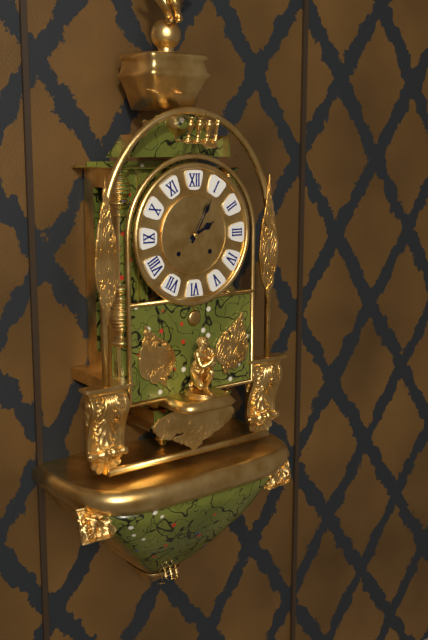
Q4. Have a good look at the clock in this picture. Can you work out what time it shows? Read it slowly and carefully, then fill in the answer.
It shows 2:05
